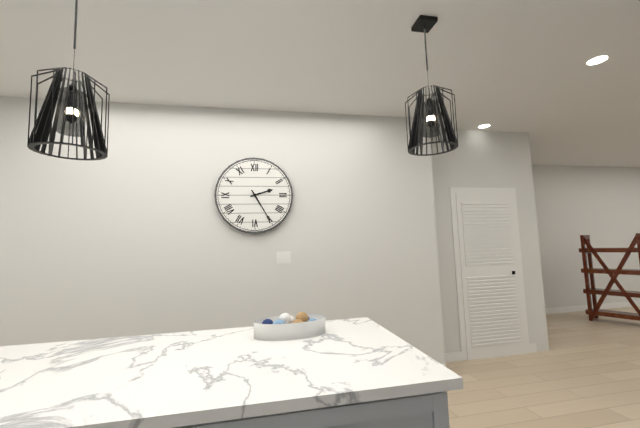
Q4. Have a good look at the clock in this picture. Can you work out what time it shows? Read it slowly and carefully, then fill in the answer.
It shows 2:25
